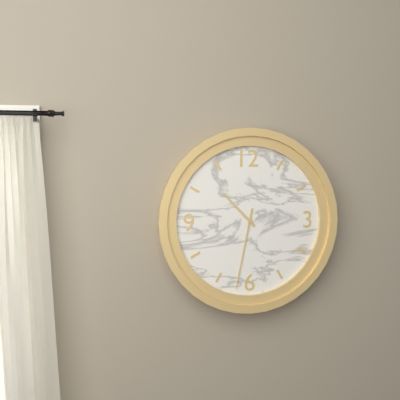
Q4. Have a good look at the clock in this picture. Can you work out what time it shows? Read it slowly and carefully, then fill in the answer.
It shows 10:32
